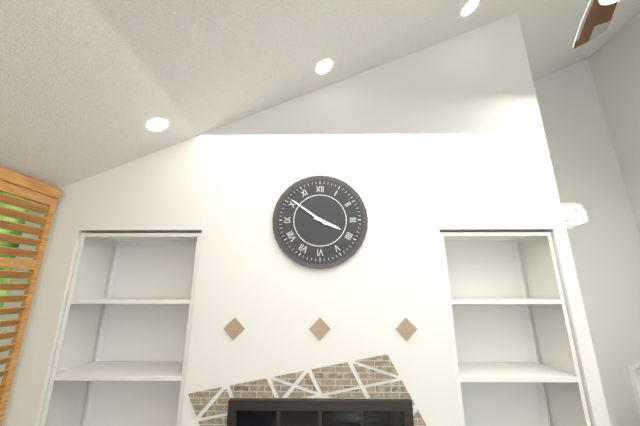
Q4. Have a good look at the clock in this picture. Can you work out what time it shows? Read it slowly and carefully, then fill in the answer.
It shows 3:51
